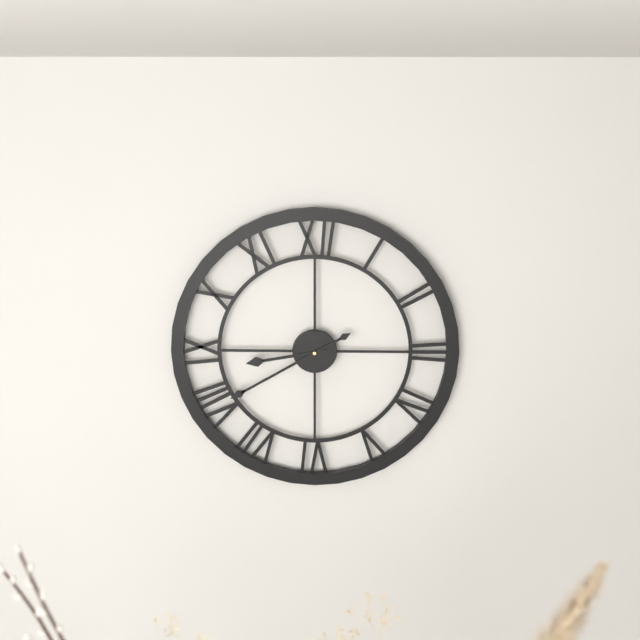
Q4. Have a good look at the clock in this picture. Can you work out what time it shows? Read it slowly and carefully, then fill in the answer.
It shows 8:40
